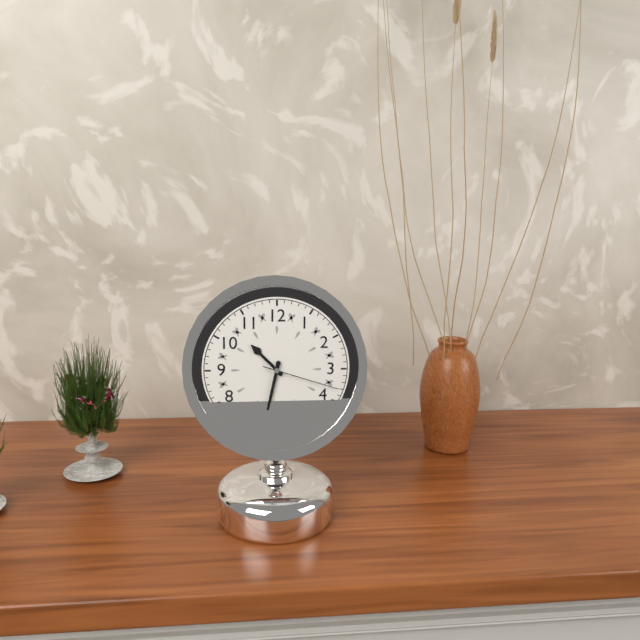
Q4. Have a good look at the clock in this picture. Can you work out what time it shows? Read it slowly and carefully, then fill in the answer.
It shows 10:32:18
